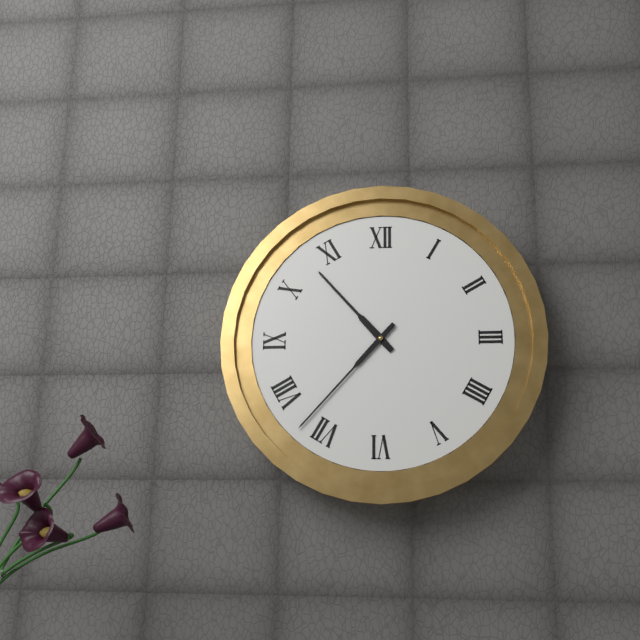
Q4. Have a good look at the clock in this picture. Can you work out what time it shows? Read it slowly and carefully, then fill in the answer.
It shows 10:37
